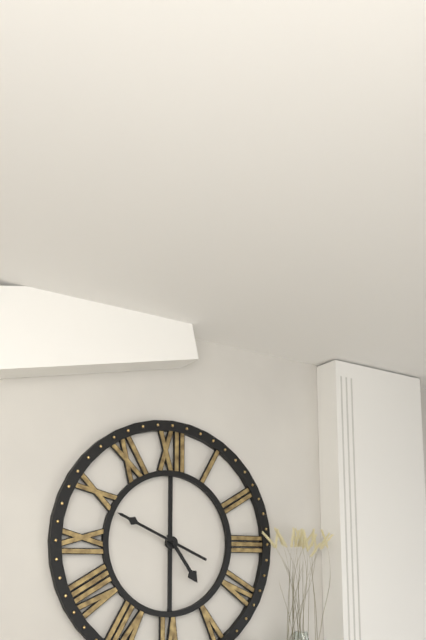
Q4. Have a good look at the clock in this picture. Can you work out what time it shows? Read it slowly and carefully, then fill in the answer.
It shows 4:49
